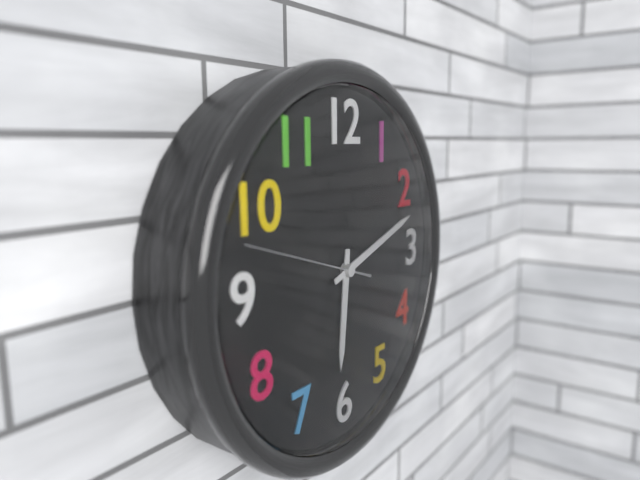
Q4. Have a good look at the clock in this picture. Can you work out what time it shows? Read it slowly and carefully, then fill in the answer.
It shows 6:12:48
